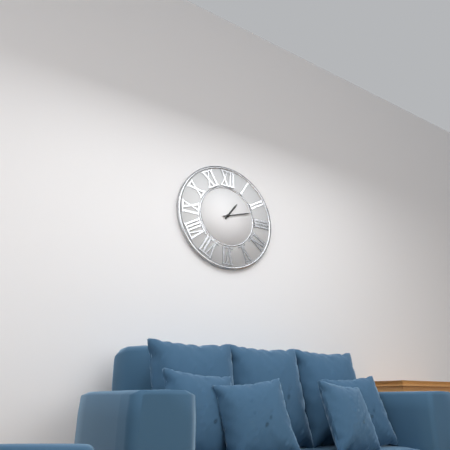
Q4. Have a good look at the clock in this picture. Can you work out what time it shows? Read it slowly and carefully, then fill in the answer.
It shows 1:12
